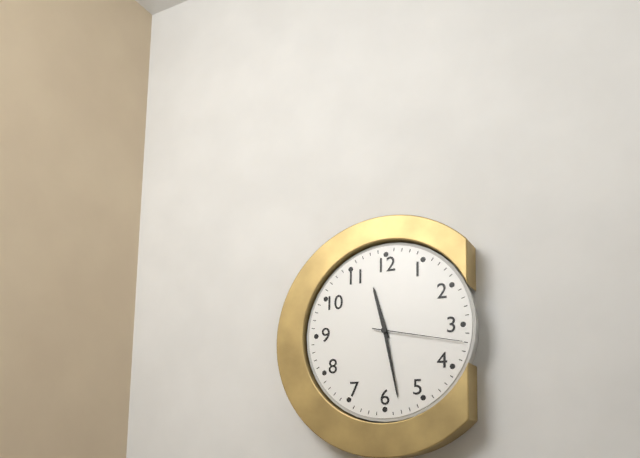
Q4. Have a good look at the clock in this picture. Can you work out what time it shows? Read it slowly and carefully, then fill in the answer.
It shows 11:28:17
